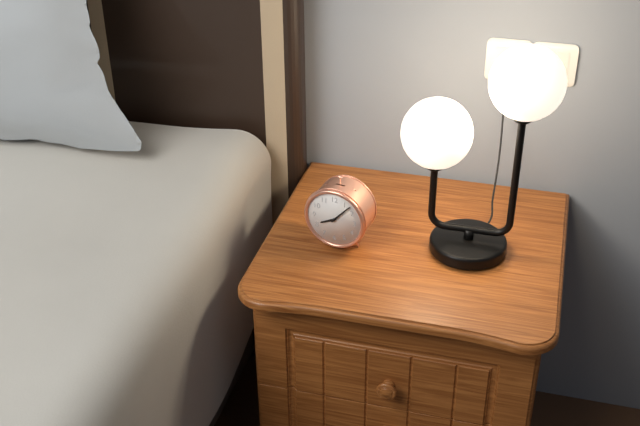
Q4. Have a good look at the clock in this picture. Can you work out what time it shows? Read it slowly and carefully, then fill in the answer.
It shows 8:07
